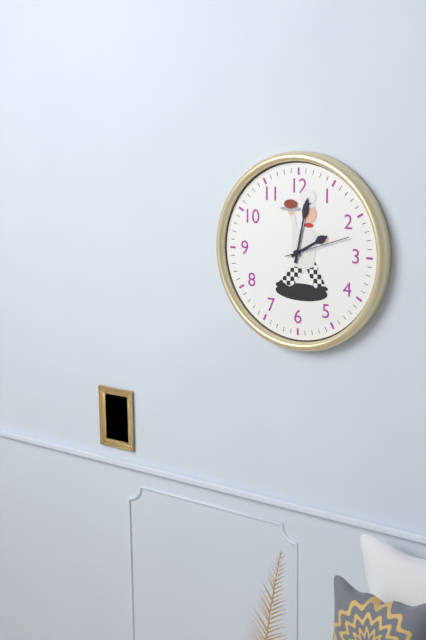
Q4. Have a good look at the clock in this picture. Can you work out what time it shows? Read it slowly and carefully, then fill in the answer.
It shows 2:02:12
